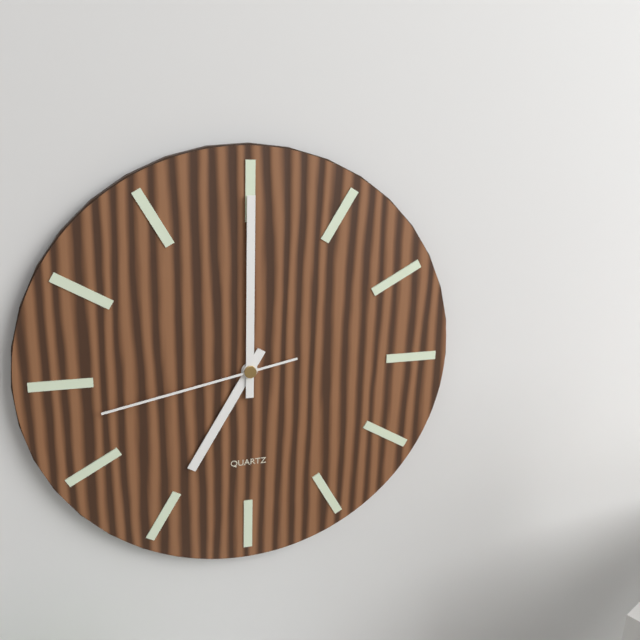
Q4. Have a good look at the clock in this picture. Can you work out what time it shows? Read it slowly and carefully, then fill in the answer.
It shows 7:00:43
